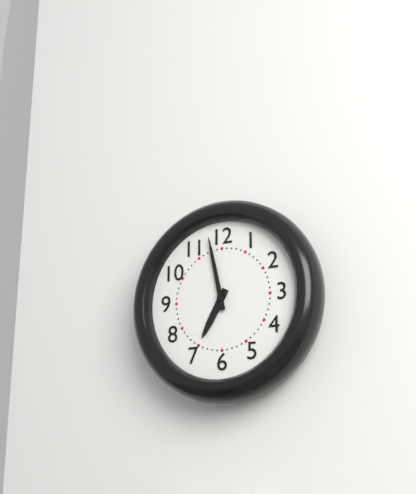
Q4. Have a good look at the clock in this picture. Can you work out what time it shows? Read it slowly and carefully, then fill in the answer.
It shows 6:58
